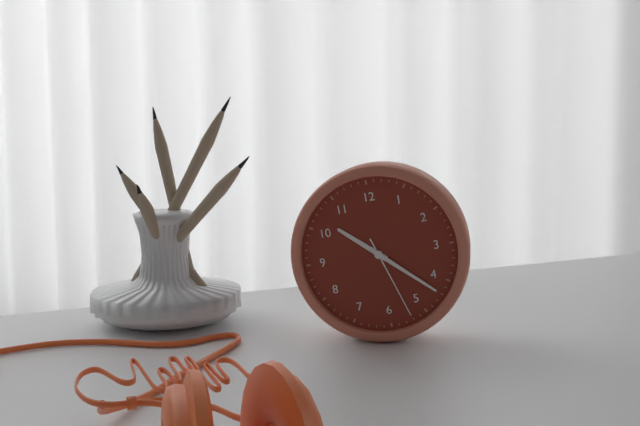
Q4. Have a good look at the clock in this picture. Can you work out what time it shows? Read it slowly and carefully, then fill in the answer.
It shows 10:22:27
